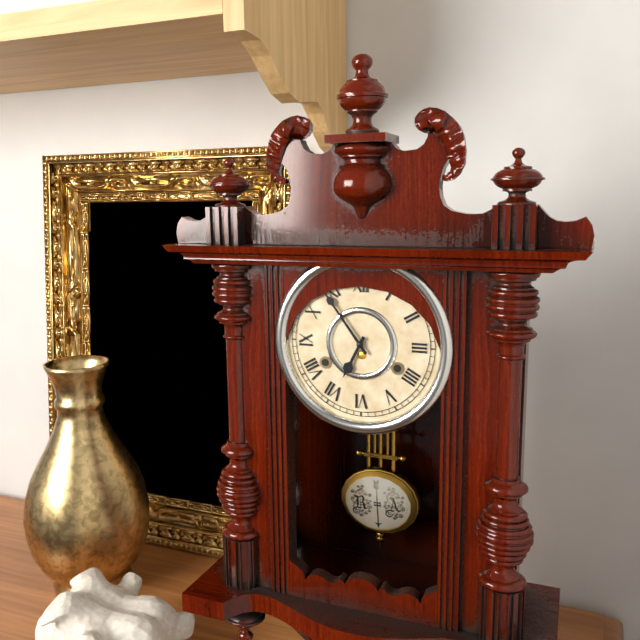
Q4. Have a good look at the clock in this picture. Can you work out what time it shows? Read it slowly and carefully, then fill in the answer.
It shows 6:54
